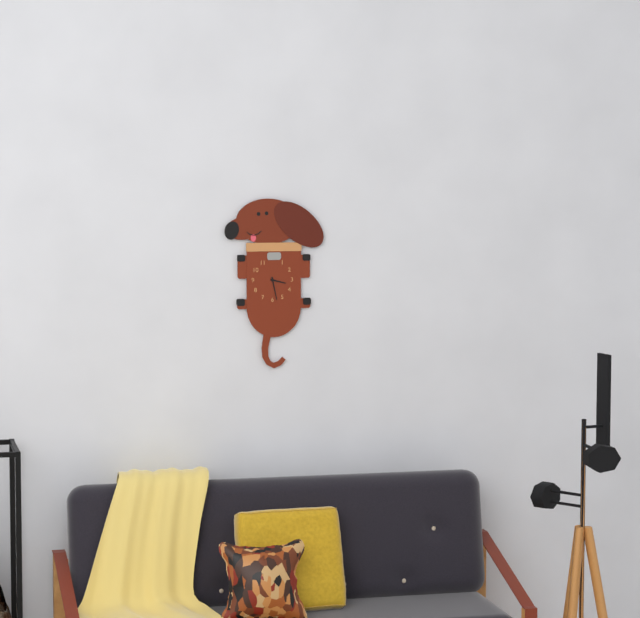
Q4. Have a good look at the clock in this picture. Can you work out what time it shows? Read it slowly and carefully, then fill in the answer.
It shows 3:28
